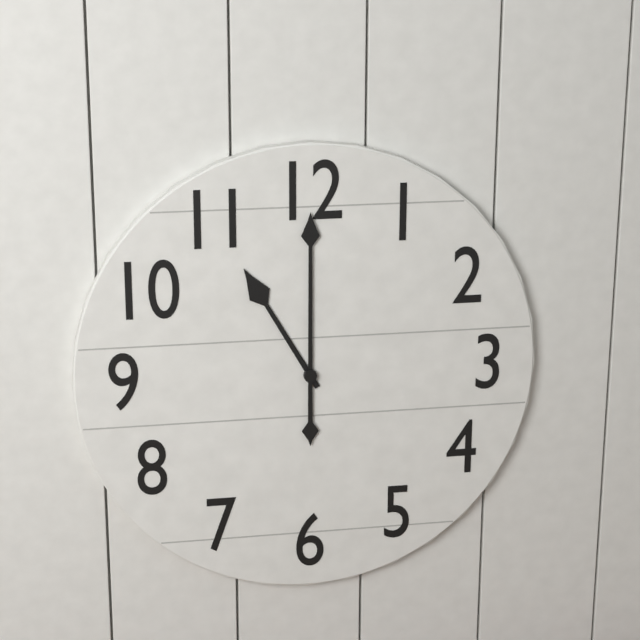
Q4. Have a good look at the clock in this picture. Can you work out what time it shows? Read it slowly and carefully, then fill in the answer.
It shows 11:00
